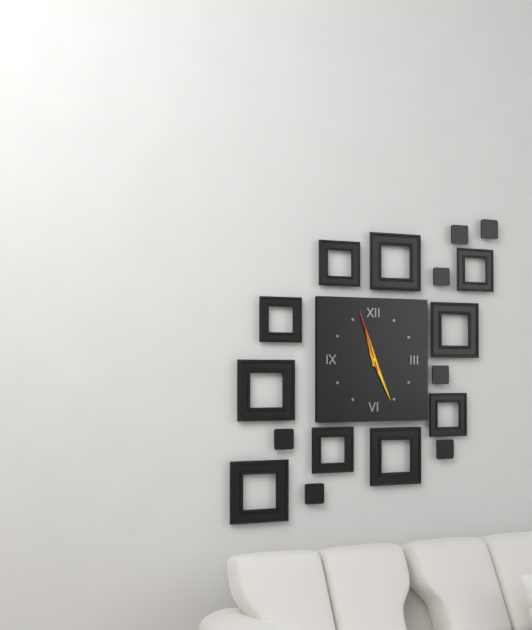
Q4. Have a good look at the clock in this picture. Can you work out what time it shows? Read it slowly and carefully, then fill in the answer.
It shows 11:26:57
